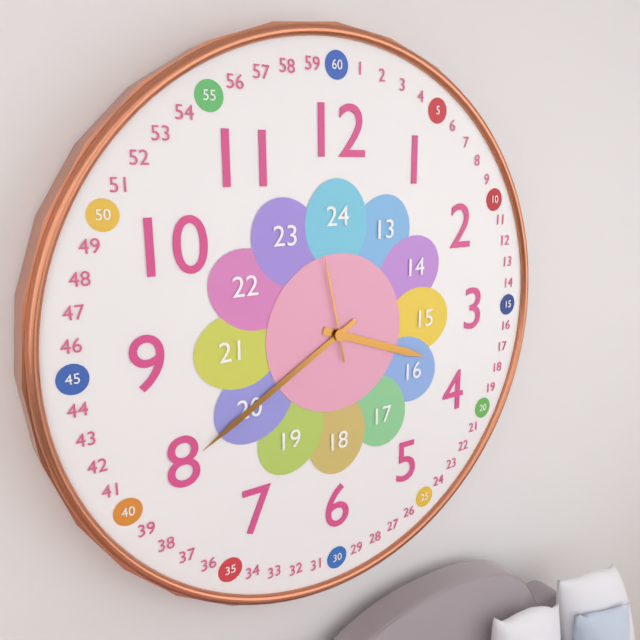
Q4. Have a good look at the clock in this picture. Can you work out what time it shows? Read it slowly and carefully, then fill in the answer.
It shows 3:40:58
